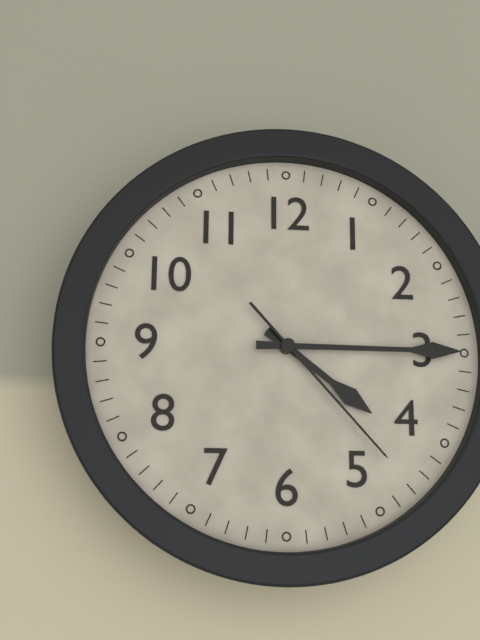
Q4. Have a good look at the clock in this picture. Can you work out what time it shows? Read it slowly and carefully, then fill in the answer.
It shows 4:15:23
